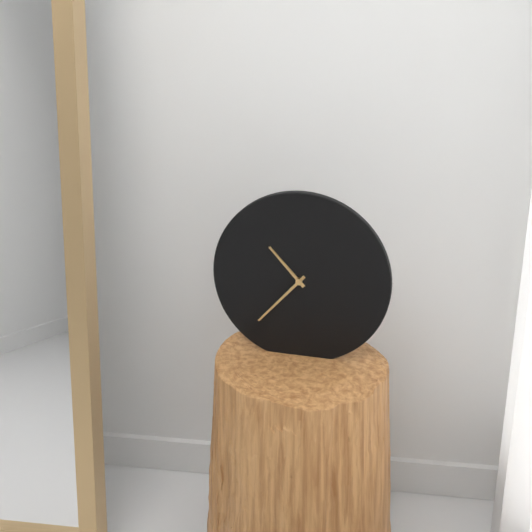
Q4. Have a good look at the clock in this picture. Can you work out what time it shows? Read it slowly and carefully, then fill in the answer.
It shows 10:37
